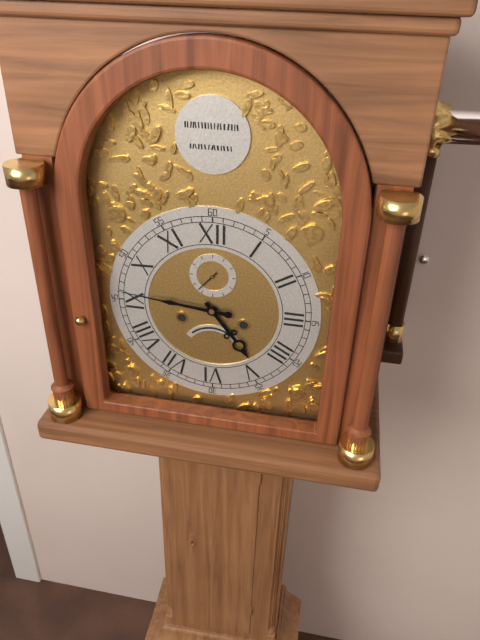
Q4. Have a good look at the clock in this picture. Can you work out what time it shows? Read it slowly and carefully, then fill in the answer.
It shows 4:46
